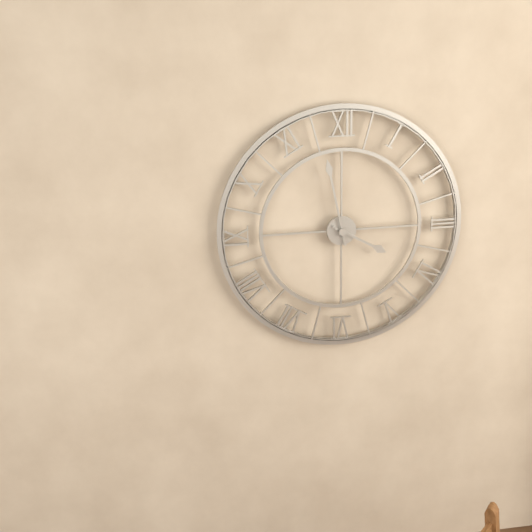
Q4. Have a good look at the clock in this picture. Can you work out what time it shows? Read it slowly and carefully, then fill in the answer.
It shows 3:58
